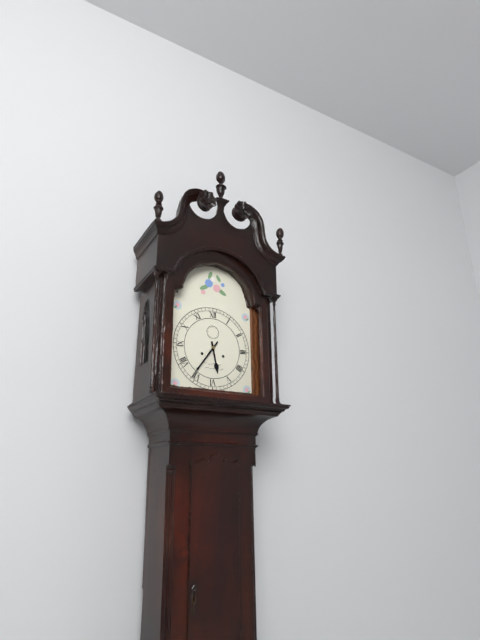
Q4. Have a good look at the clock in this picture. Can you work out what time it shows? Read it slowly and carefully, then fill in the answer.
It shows 5:36
